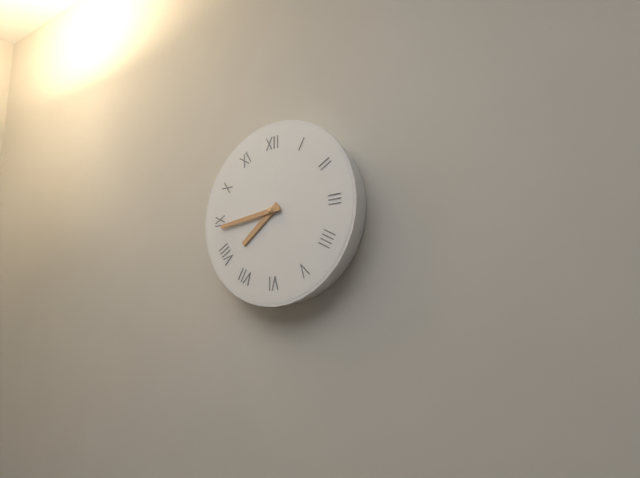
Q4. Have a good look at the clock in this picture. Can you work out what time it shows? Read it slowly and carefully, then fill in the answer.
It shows 7:44
